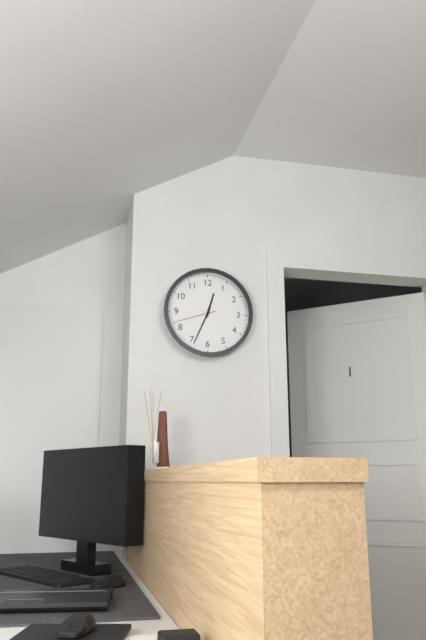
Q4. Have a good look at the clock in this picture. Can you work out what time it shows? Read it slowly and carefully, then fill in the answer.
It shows 12:34
